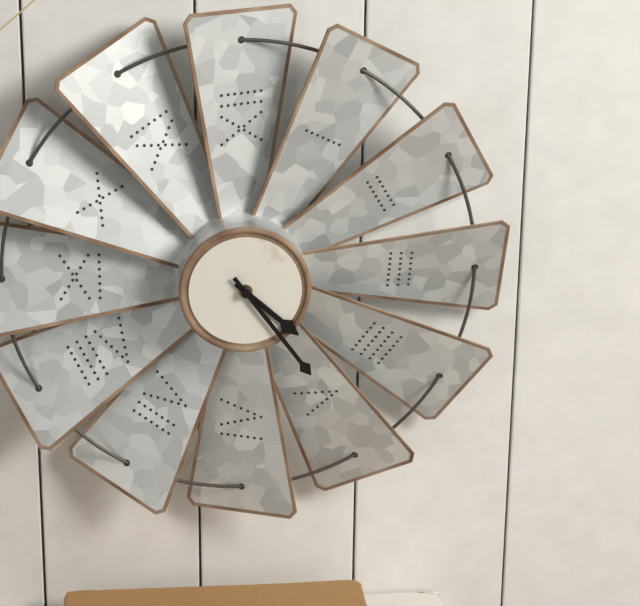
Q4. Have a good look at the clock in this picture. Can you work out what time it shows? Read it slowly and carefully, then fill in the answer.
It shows 4:24
